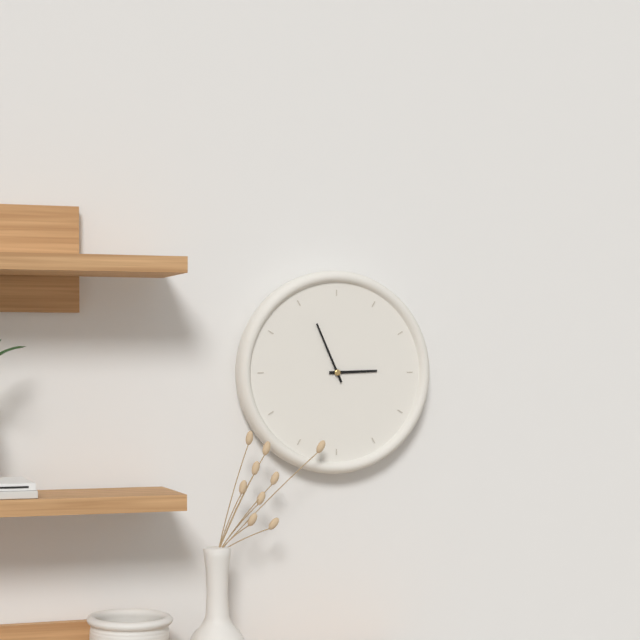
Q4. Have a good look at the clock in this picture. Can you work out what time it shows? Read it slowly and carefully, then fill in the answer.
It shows 2:56
